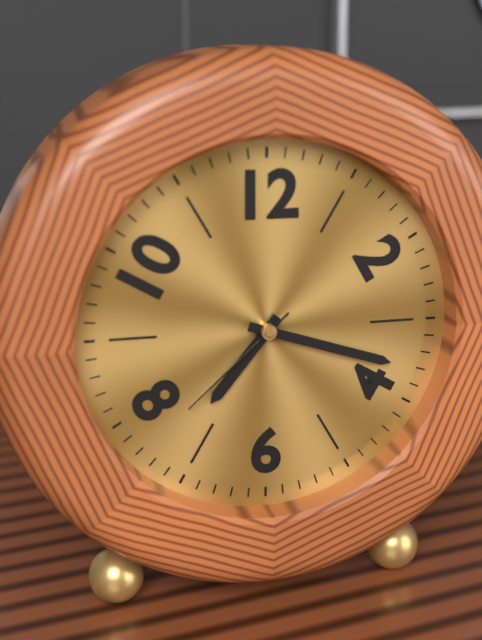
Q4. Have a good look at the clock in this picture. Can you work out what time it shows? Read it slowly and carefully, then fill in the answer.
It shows 7:18:38
